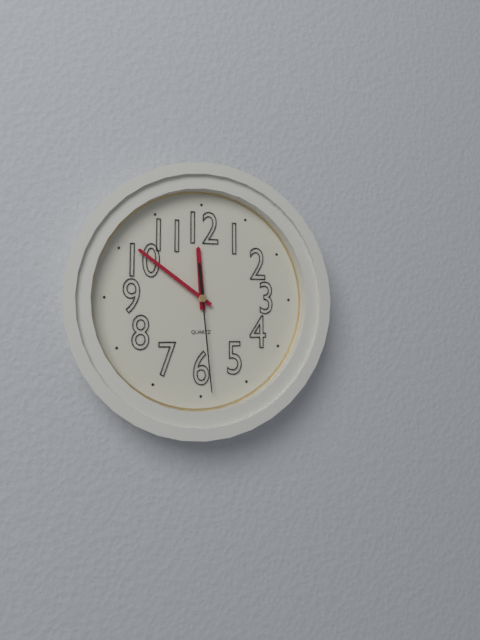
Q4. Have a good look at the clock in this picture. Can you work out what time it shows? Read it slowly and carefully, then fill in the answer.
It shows 11:51:29
